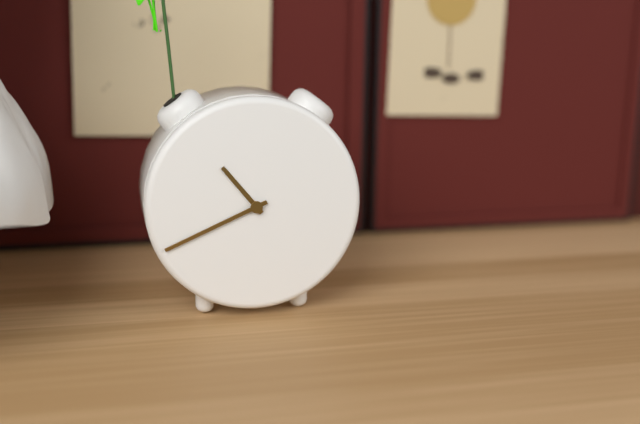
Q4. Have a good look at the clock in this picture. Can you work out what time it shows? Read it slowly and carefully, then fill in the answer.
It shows 10:41
